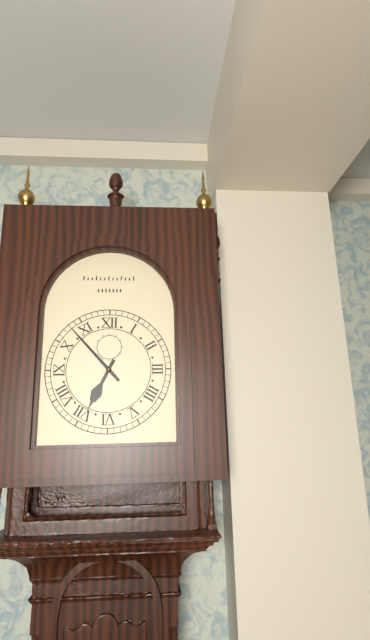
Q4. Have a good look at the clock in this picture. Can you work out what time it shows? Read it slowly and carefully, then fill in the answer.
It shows 6:53
